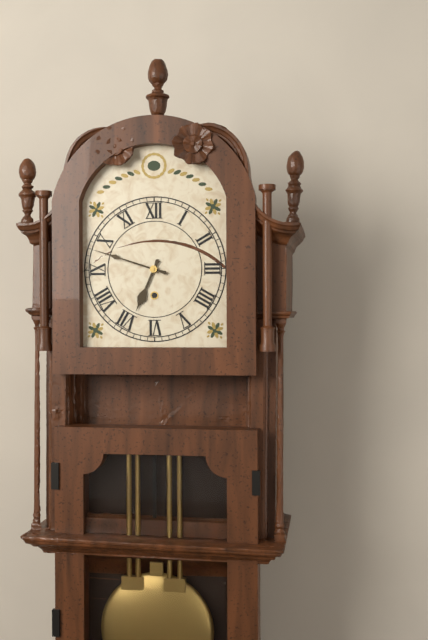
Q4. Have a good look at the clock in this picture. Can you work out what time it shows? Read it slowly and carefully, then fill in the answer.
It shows 6:48
